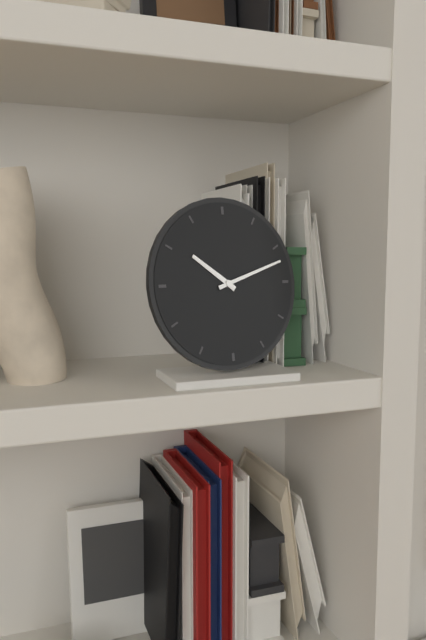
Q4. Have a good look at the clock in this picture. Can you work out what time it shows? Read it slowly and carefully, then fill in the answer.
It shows 10:12
